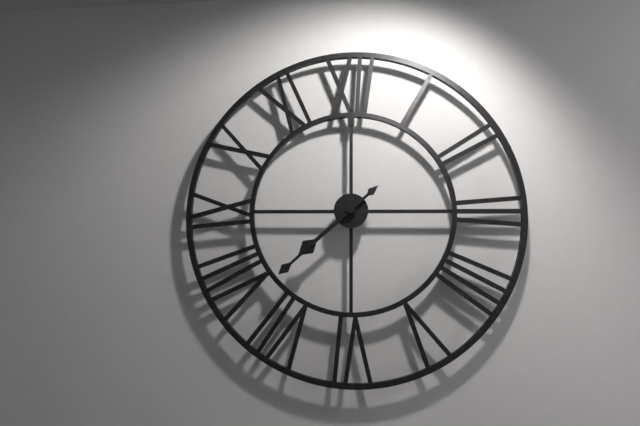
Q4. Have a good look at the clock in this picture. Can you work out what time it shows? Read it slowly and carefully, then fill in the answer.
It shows 7:38
